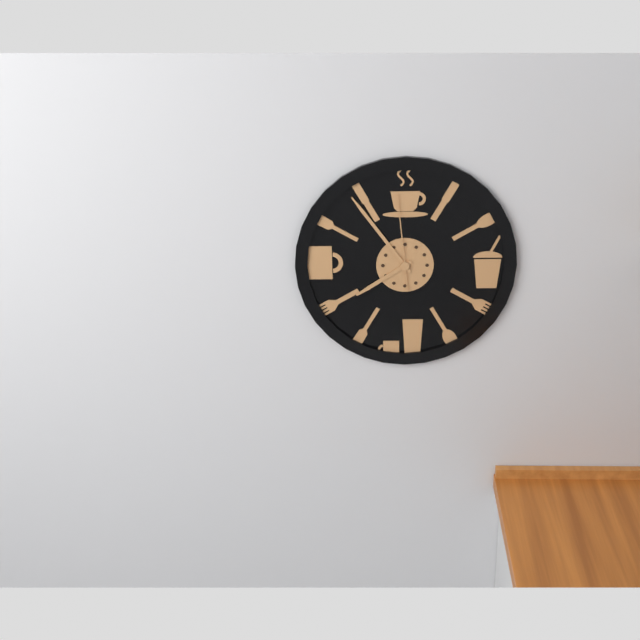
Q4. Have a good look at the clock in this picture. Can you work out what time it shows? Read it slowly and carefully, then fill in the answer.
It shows 7:54:59
